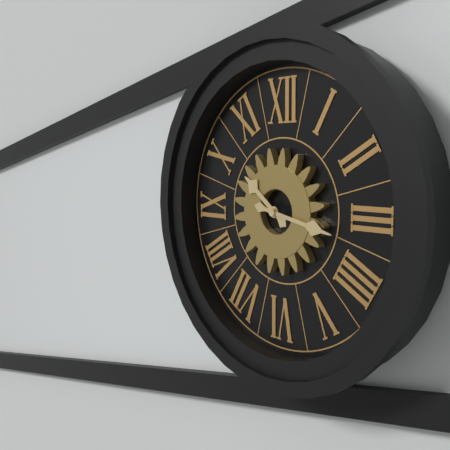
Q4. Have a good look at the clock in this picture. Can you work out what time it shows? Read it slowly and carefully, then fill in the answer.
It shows 10:17
